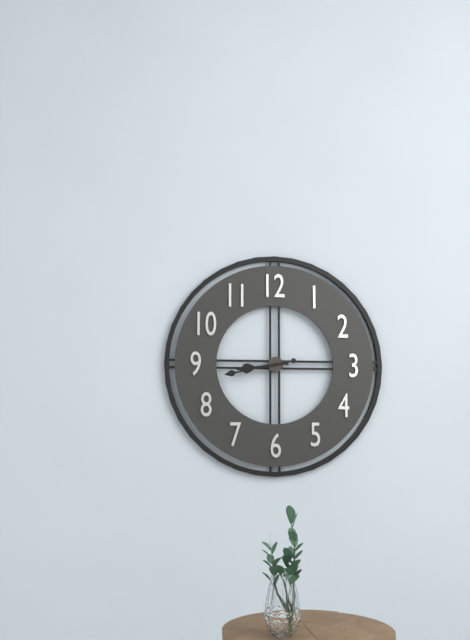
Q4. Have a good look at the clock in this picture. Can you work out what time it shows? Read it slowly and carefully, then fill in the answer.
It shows 8:43
